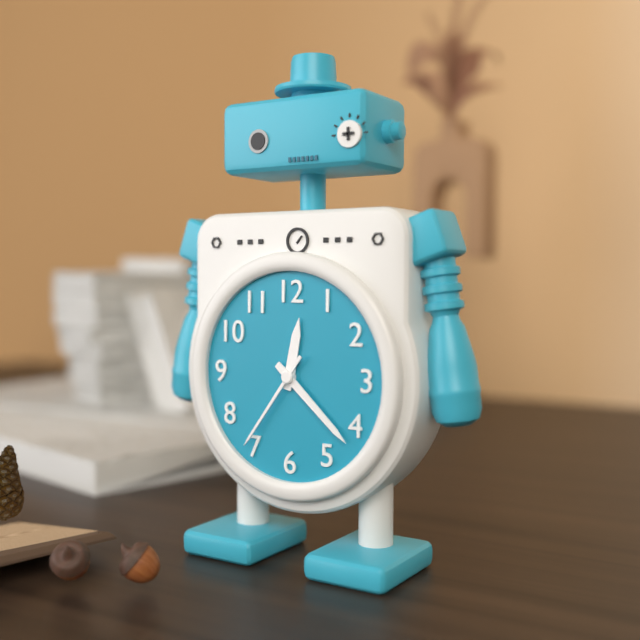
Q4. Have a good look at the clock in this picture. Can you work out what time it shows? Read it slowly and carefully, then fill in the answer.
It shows 12:22:36
